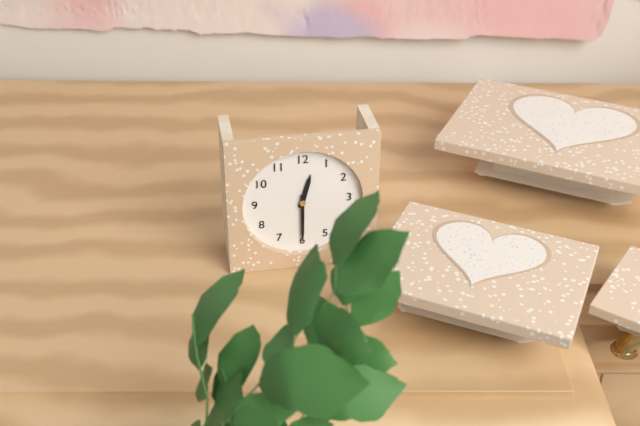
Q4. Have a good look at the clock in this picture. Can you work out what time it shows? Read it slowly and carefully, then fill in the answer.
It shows 12:30
